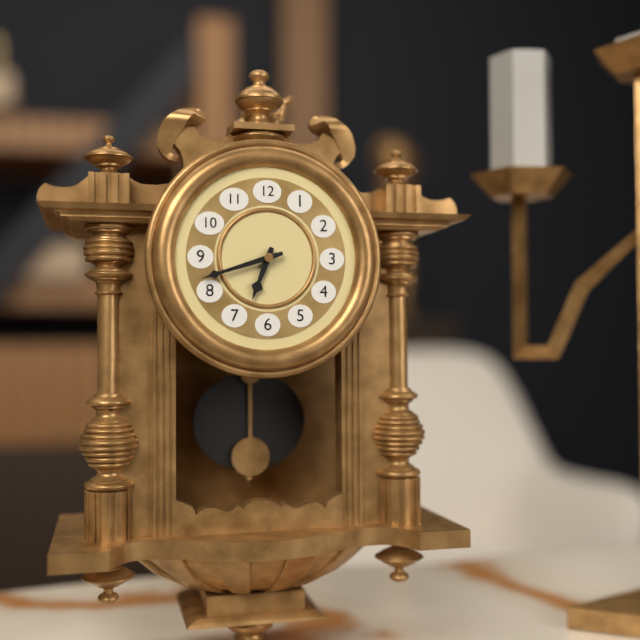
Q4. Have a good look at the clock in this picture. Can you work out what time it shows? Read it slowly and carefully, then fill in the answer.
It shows 6:42
